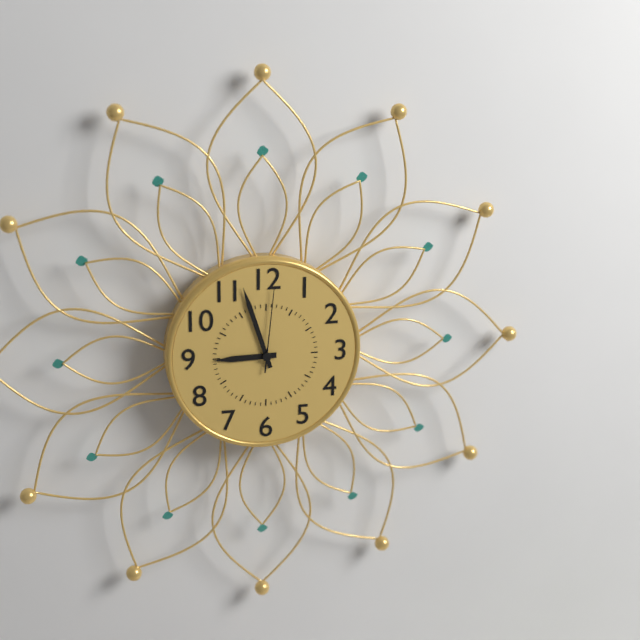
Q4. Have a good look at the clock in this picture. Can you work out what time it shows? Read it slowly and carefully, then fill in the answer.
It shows 8:57:01
